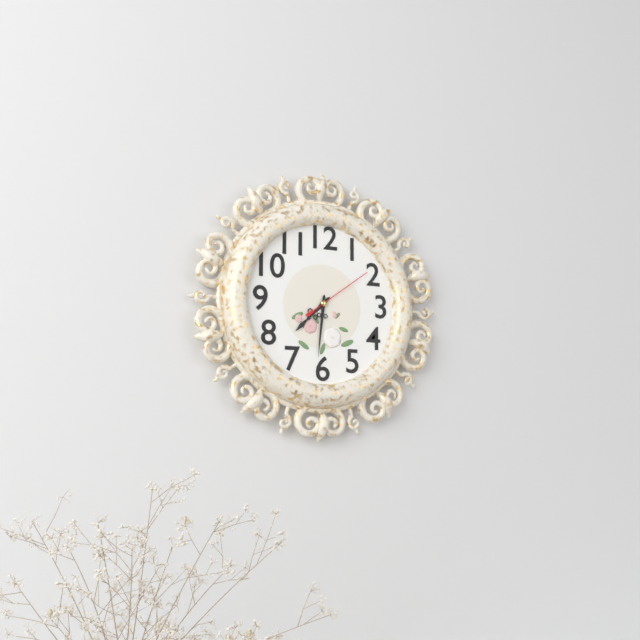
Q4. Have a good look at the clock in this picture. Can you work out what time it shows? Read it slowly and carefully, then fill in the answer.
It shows 7:31:09
